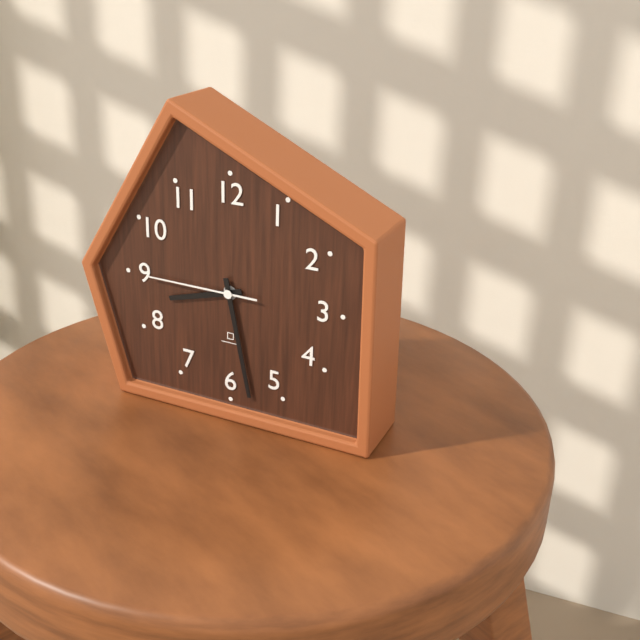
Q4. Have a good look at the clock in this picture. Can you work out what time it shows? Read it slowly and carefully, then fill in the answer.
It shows 8:28:45
